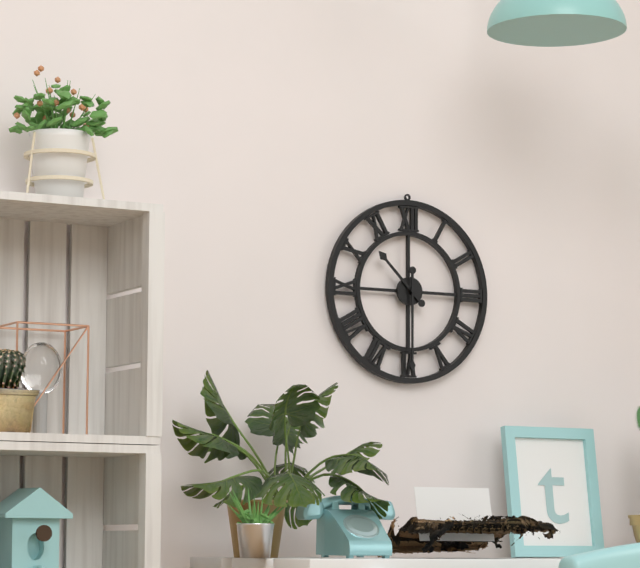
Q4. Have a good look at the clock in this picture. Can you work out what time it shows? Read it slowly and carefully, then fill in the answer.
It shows 10:30
